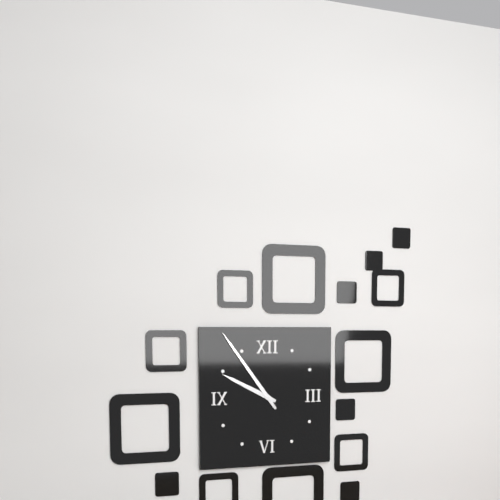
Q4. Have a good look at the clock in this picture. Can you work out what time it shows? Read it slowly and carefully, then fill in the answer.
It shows 9:54
